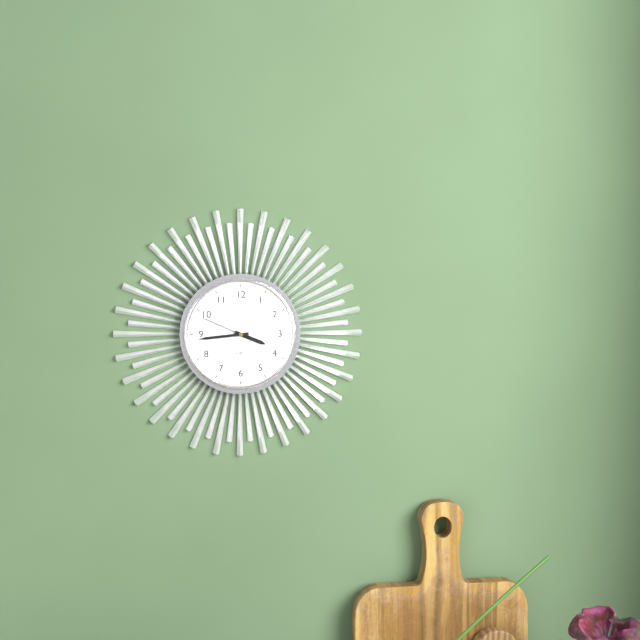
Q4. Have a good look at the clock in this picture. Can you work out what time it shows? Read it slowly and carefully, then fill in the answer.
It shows 3:44:49
